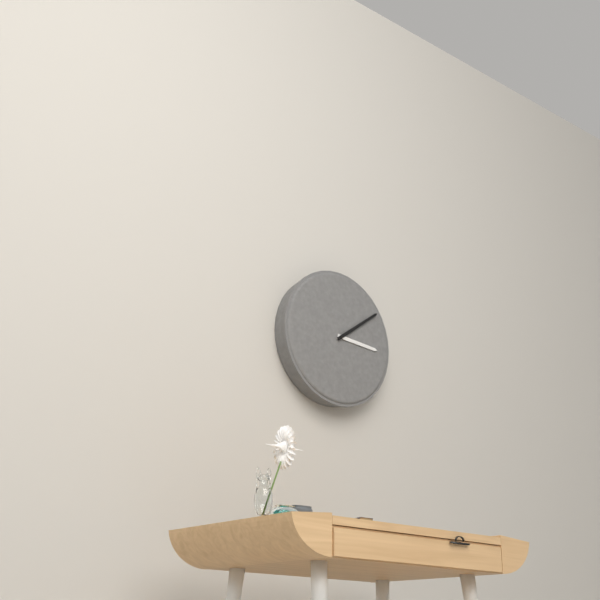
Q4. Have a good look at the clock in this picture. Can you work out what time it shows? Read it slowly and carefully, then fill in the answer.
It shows 3:09
